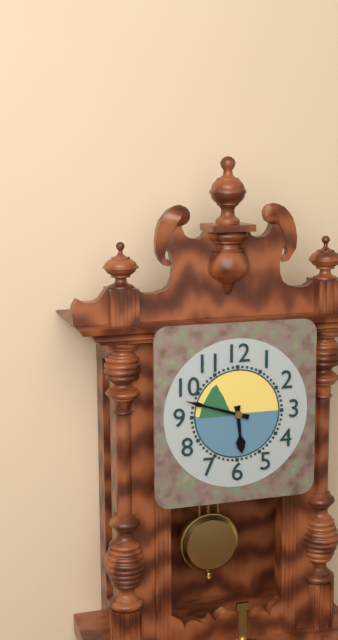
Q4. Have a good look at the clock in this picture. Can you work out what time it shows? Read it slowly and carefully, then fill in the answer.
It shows 5:48
